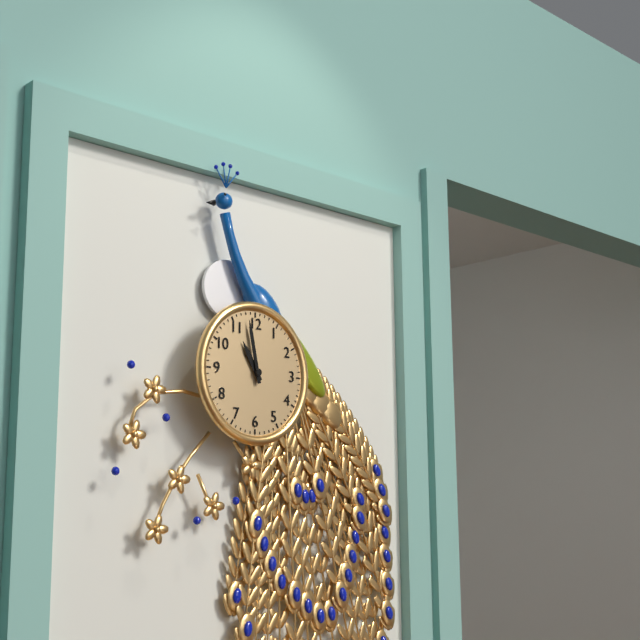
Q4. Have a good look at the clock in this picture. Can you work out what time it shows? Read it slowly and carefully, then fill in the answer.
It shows 10:58
